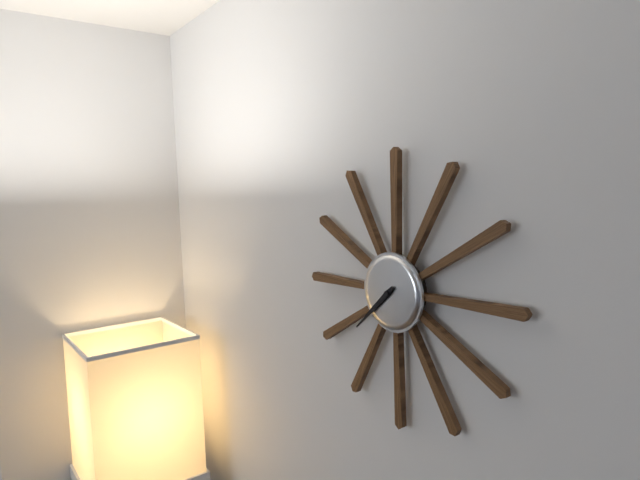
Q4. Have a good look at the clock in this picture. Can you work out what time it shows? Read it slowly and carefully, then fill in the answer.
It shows 7:38
